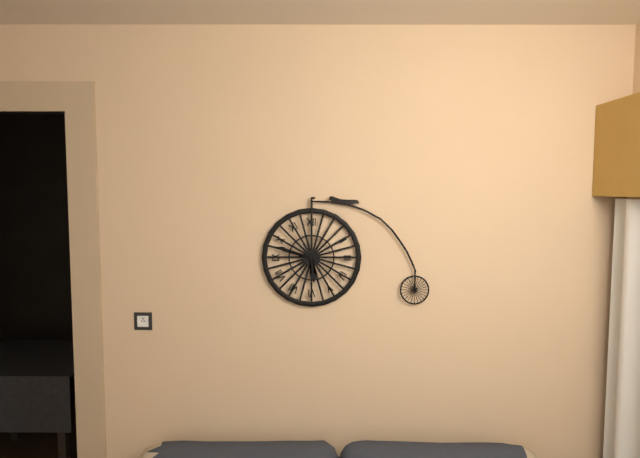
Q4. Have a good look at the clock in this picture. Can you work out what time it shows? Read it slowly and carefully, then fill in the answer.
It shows 5:48
